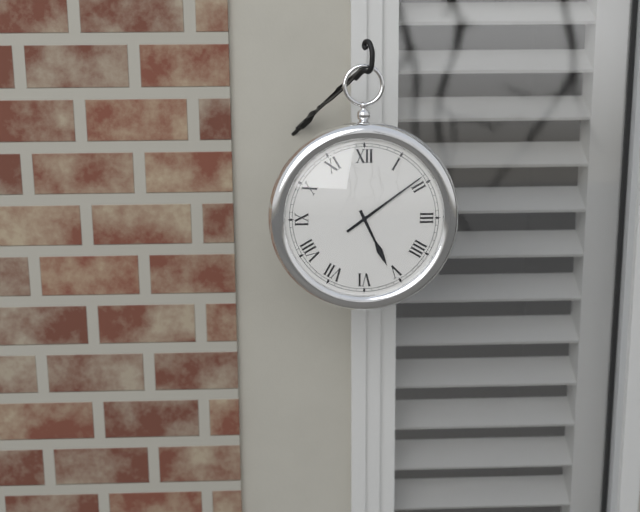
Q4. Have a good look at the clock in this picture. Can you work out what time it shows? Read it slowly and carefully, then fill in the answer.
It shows 5:09
